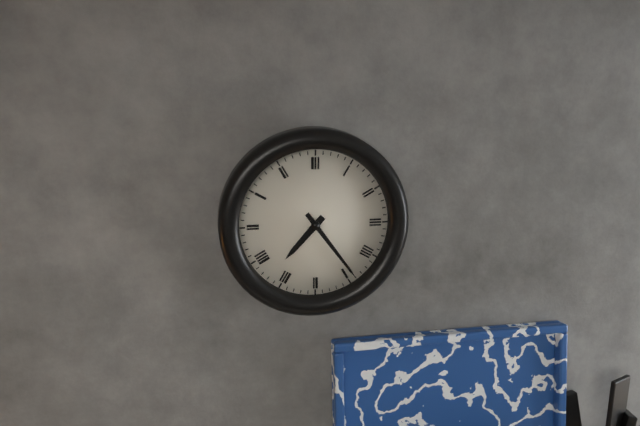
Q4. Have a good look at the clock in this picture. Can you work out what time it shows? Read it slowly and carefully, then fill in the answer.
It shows 7:24
